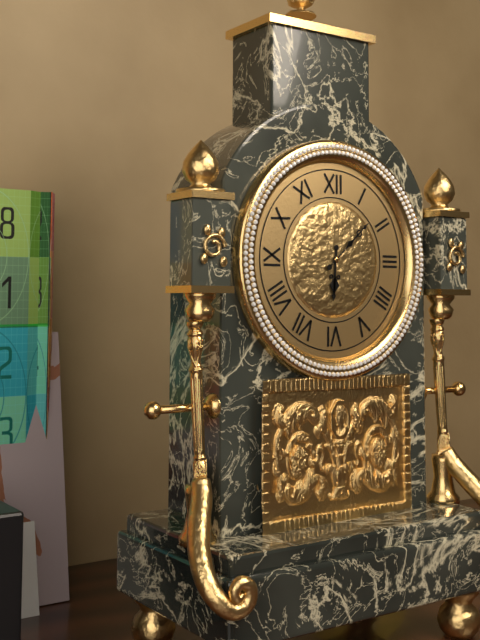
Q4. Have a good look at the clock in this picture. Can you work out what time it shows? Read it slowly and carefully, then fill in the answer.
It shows 6:08
